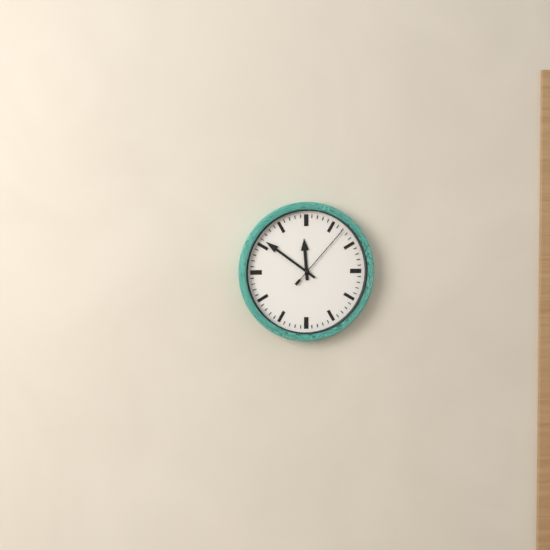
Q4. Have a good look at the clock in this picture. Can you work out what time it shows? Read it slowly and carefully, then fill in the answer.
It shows 11:51:07
